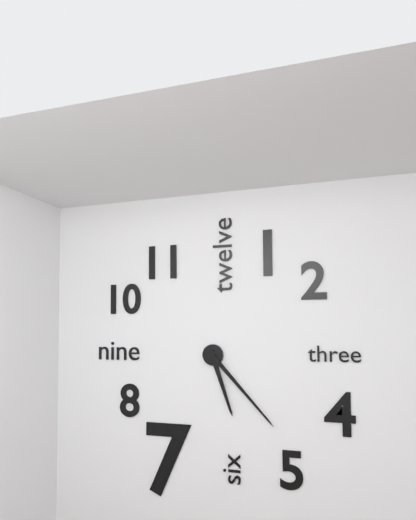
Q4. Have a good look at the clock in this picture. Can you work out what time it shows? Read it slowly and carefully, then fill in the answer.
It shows 5:23
